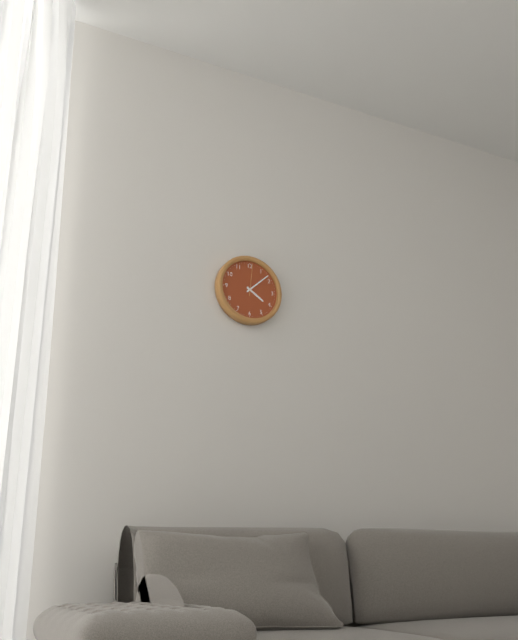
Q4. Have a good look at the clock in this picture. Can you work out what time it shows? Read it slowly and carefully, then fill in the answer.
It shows 4:08
